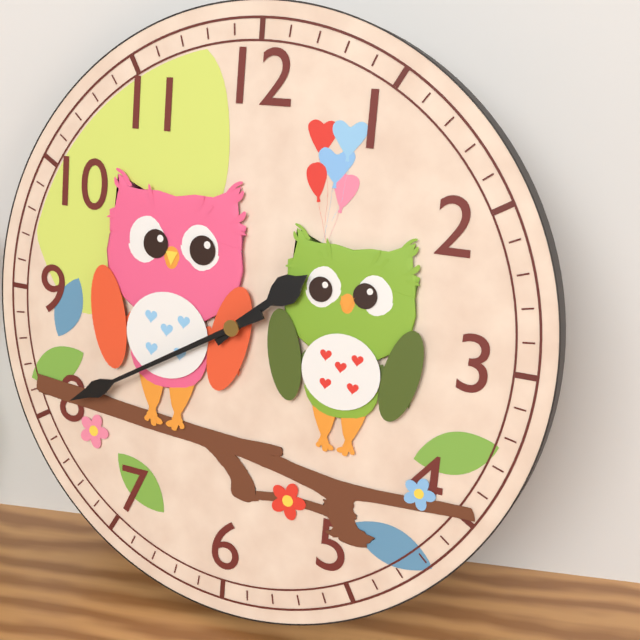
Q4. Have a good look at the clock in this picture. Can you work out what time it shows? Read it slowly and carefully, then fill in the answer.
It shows 1:40
